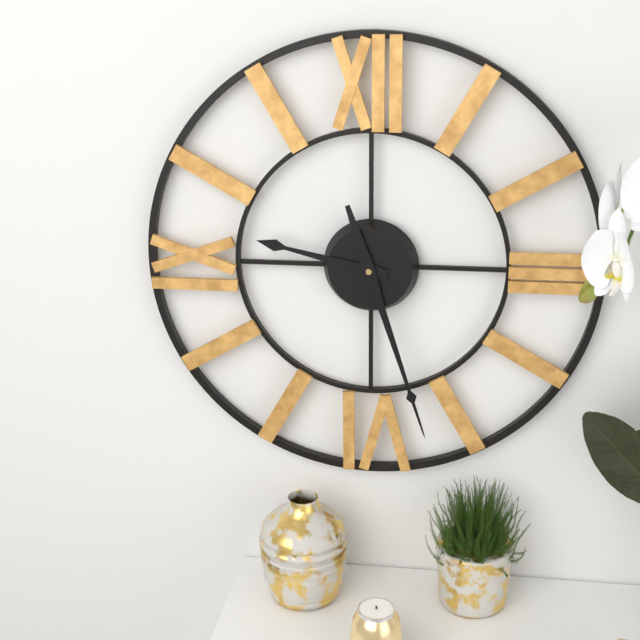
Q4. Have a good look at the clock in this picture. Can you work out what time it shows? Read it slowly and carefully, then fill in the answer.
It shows 9:27
